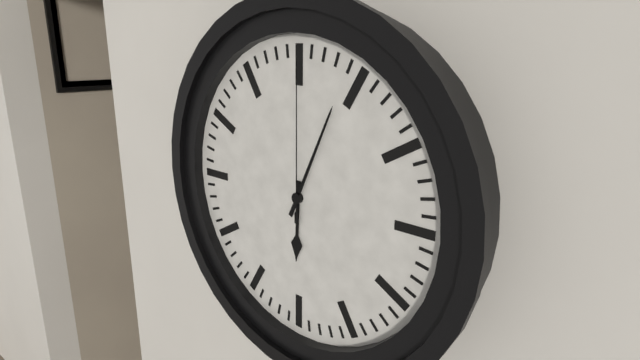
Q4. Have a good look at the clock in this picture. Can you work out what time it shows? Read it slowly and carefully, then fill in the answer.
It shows 6:04:00
